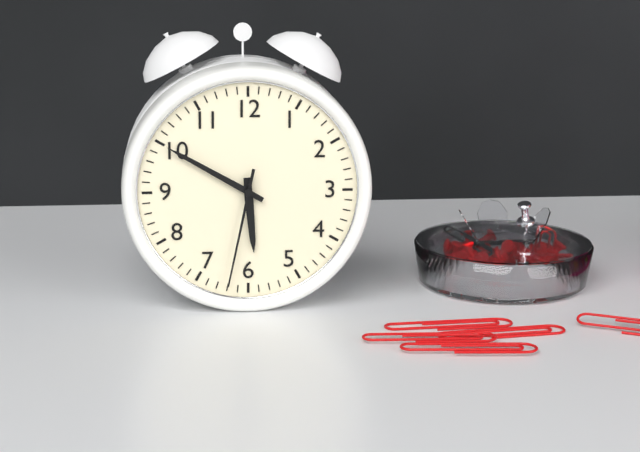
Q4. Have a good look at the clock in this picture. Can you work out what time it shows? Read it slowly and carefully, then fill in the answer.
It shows 5:50:32
